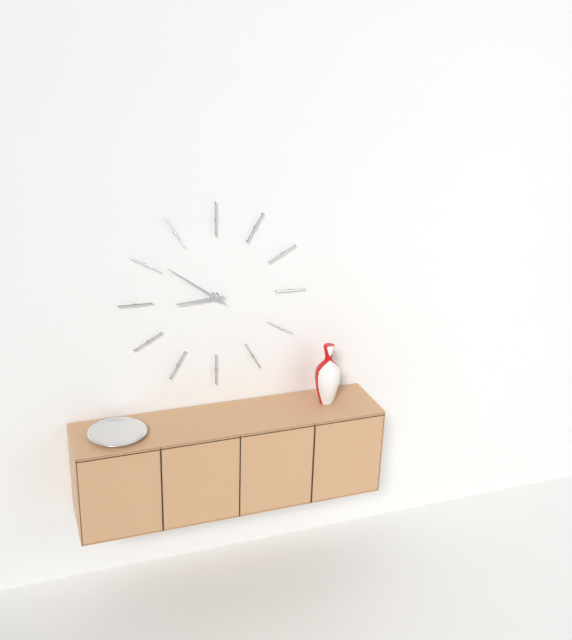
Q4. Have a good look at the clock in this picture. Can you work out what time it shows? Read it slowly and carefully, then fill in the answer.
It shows 8:51
